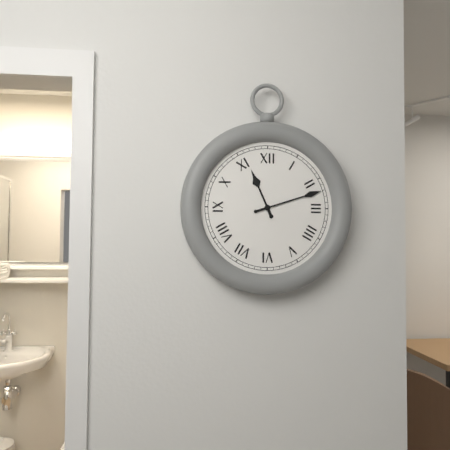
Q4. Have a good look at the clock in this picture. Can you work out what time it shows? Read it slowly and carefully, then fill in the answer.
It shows 11:12
